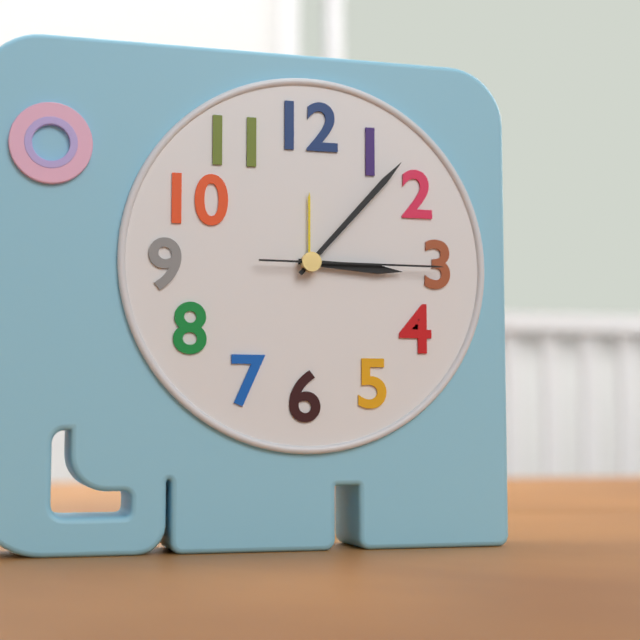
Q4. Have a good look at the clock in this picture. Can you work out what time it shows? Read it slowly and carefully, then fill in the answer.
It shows 3:07:15
